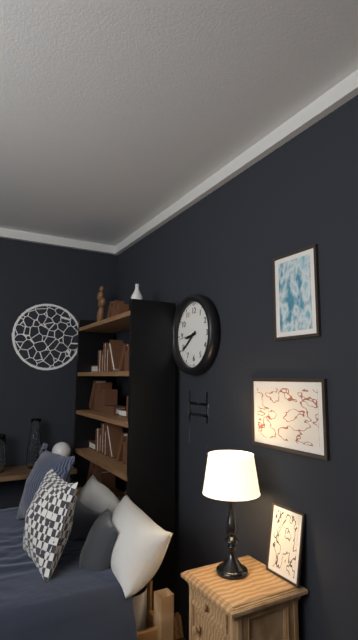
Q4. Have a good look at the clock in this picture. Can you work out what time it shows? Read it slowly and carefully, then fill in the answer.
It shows 8:39
